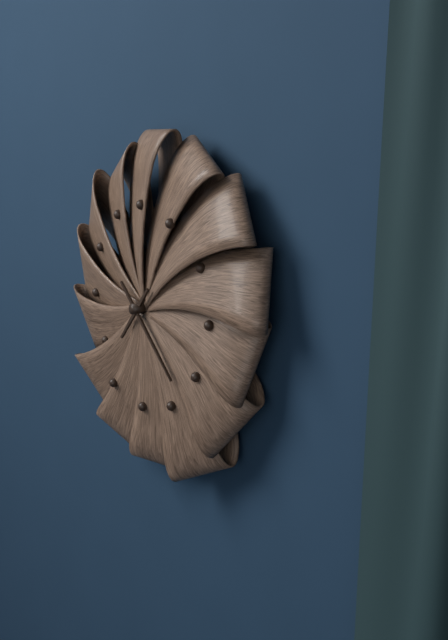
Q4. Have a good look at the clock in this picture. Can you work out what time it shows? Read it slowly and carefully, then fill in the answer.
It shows 7:22
